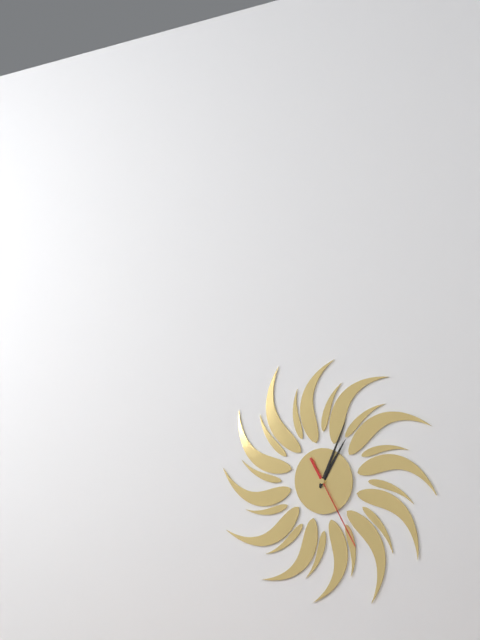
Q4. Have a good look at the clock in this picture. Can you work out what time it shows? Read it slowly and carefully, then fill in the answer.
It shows 1:04:25
